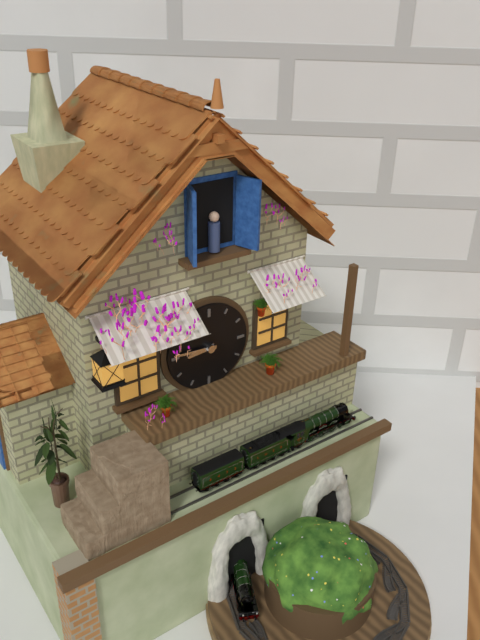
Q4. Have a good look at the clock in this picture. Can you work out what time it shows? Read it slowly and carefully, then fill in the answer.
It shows 8:46
